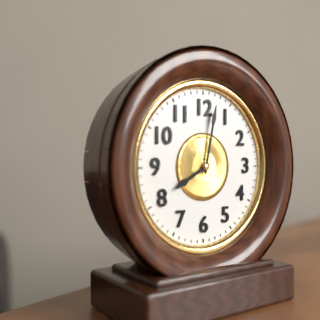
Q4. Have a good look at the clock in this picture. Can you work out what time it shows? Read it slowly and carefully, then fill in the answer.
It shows 8:02
